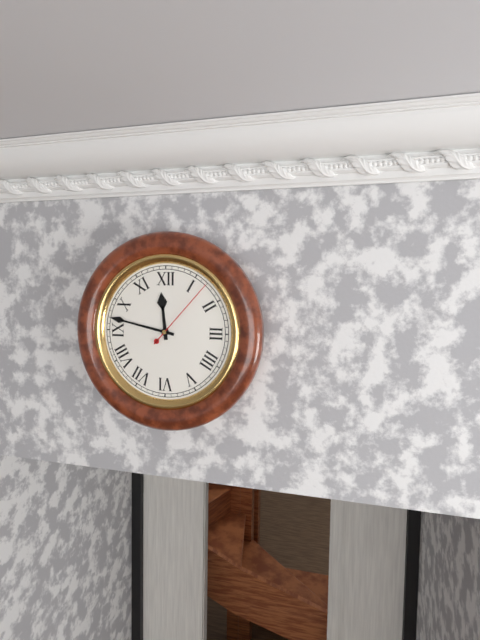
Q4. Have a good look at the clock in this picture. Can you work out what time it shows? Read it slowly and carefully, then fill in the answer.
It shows 11:47:07
